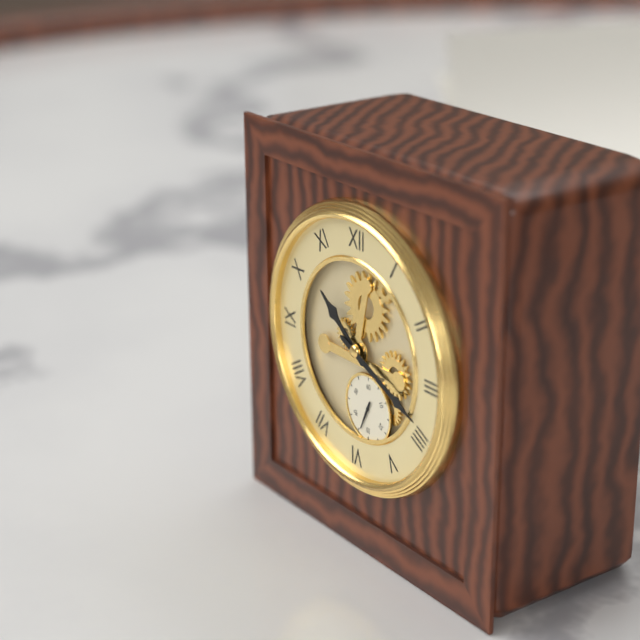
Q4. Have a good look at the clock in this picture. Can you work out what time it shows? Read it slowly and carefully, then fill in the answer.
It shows 10:19
